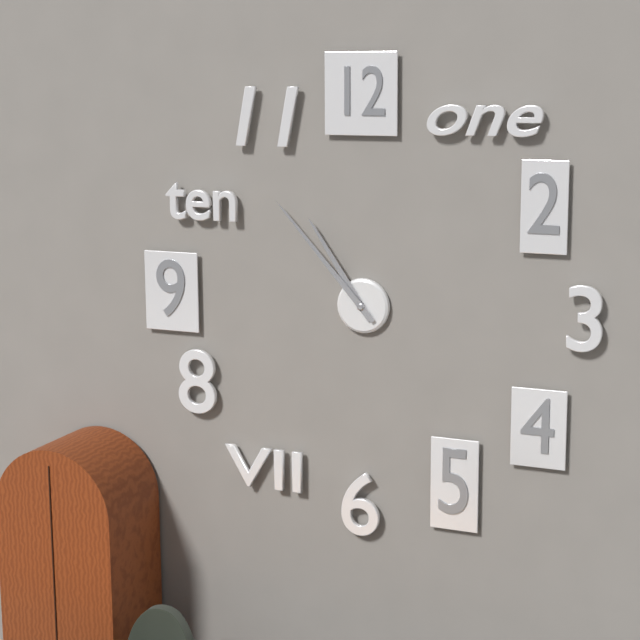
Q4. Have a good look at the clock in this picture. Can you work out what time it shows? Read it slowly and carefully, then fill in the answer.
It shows 10:53
